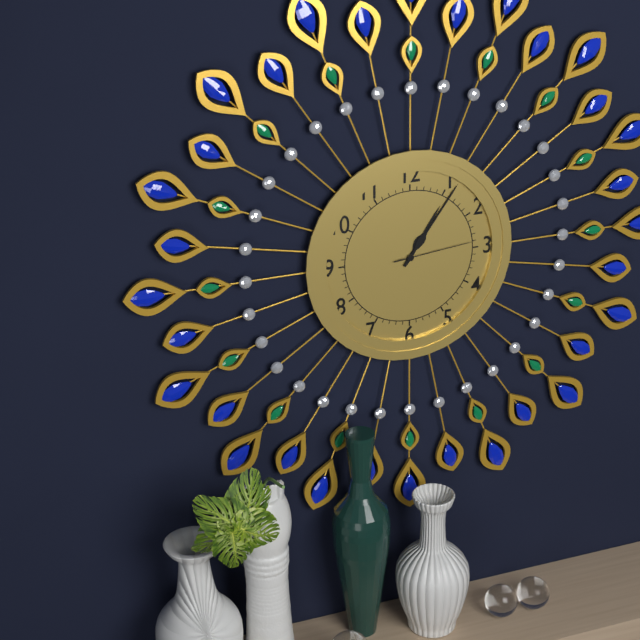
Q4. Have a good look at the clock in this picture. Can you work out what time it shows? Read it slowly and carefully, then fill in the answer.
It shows 1:06:14
